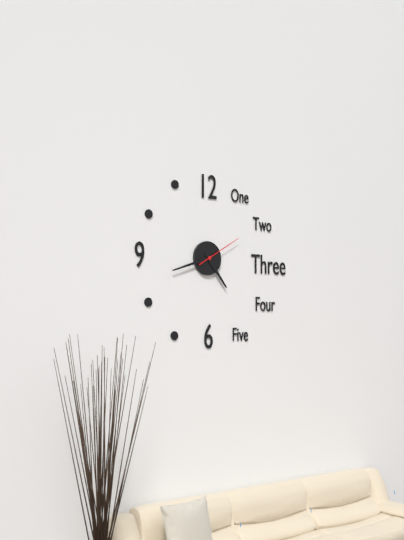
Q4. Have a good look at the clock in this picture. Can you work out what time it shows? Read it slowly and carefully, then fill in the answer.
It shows 4:42
